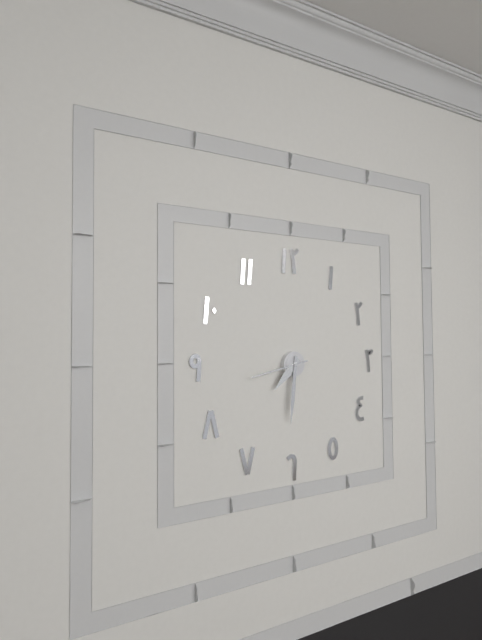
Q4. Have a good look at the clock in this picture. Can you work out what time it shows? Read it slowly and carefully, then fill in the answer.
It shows 7:31:43
